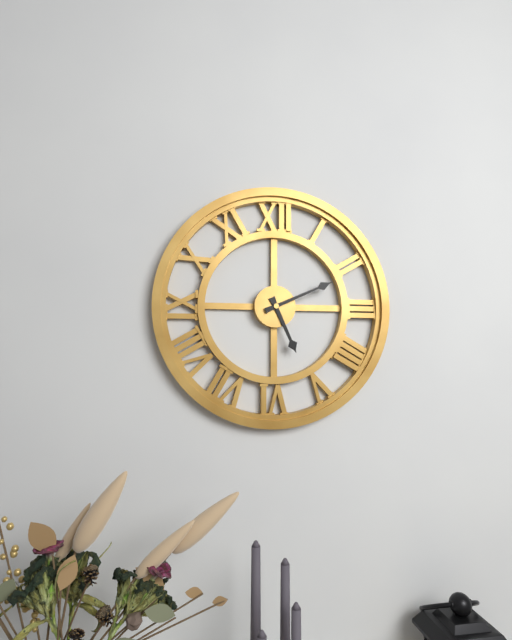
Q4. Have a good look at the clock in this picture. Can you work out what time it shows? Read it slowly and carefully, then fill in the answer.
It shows 5:11
